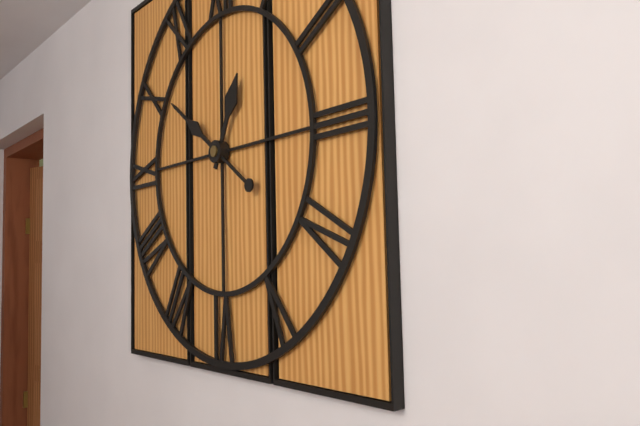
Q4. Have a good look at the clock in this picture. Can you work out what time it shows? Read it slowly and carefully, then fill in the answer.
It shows 12:51
